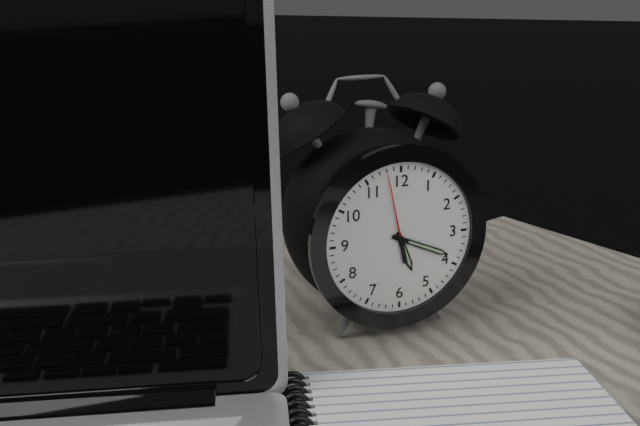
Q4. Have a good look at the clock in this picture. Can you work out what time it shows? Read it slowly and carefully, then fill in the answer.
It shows 5:19:58
